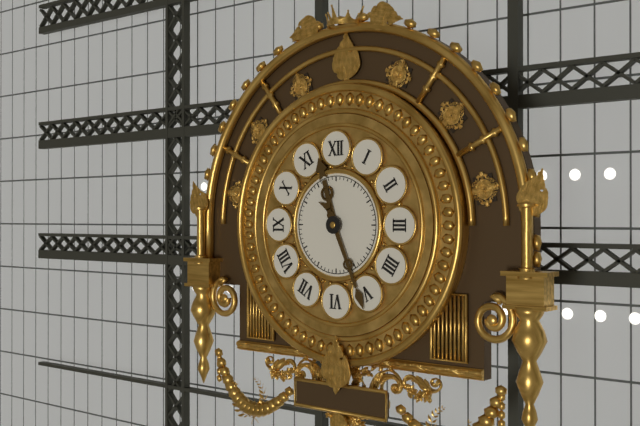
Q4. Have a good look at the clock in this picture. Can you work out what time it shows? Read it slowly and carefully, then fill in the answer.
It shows 11:26
